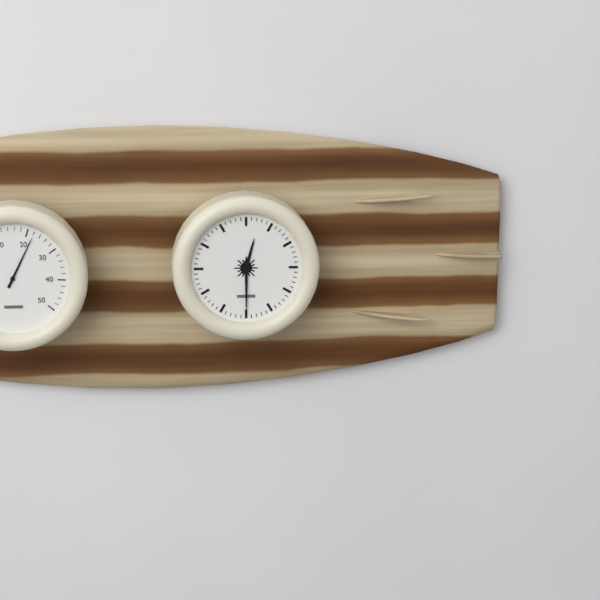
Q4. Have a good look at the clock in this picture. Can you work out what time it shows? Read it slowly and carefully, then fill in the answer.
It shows 12:30
